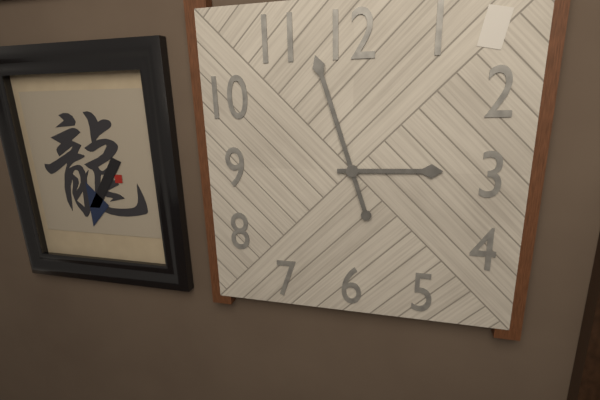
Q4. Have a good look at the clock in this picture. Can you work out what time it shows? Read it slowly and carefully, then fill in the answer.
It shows 2:57
